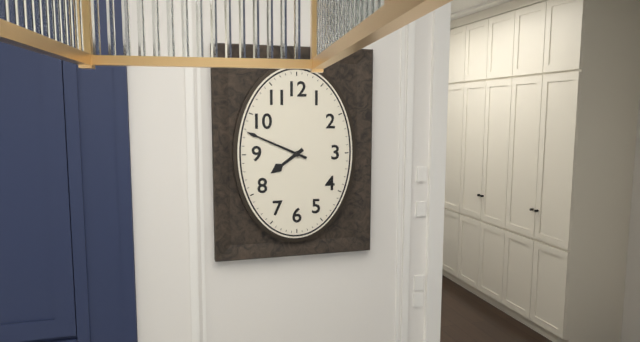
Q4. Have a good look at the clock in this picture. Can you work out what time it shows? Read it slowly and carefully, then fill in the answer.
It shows 7:49
